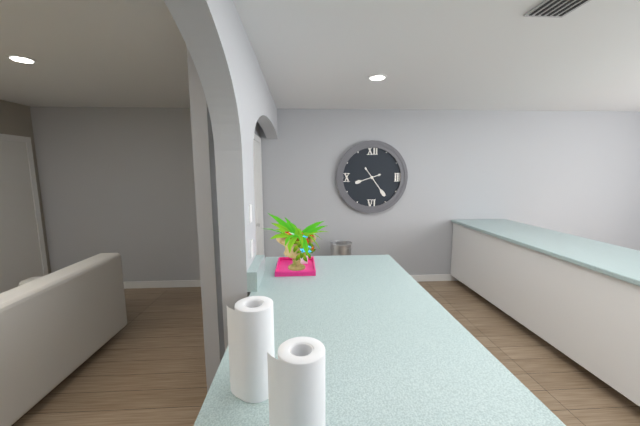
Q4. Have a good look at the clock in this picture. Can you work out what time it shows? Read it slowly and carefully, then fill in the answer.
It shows 8:24
